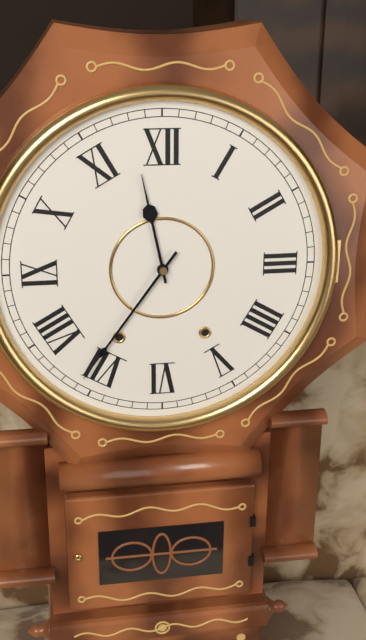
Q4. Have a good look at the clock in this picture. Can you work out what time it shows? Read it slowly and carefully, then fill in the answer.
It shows 11:36
